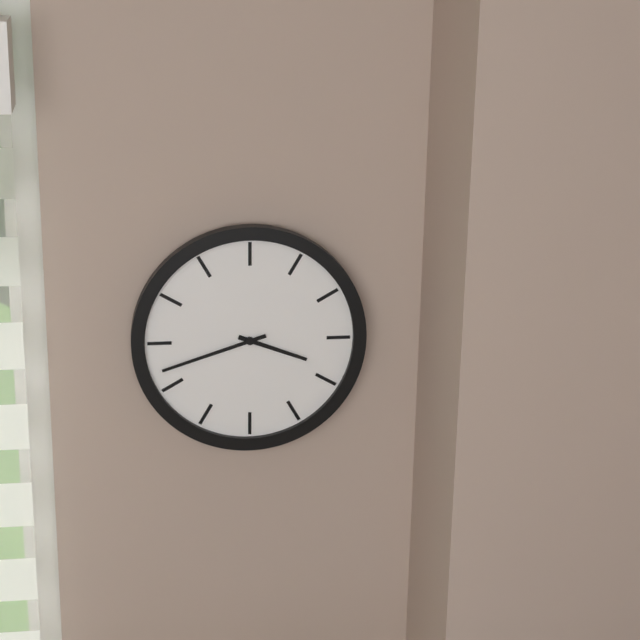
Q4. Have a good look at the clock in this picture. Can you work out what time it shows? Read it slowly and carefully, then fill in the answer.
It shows 3:42
